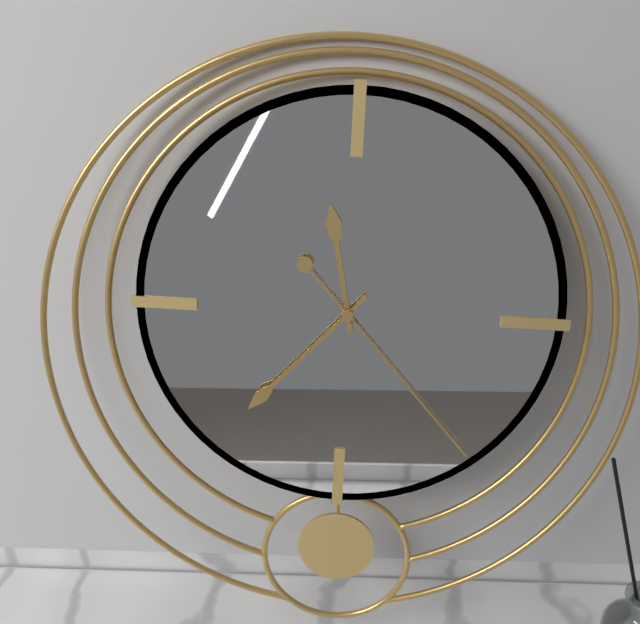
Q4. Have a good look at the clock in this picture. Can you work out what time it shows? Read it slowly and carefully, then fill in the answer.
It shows 11:37:23
